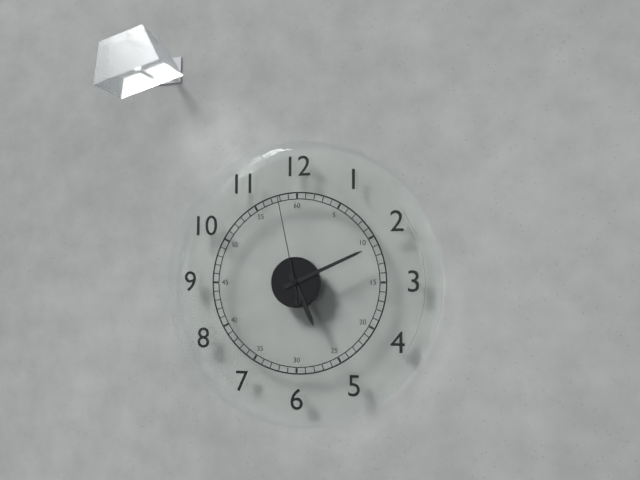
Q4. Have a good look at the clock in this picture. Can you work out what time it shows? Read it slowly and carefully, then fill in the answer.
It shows 5:11:58
